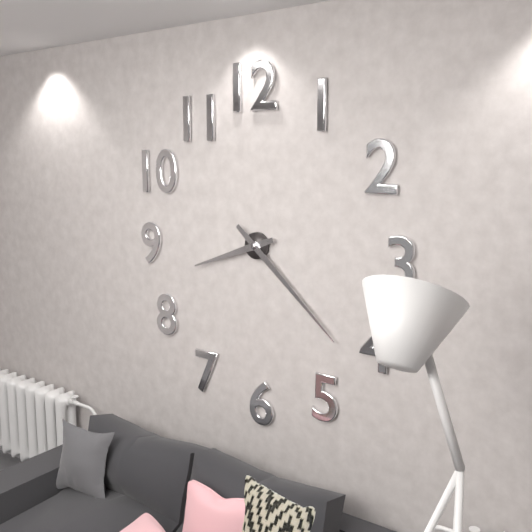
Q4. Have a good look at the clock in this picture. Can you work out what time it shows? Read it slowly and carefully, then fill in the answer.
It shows 8:22
